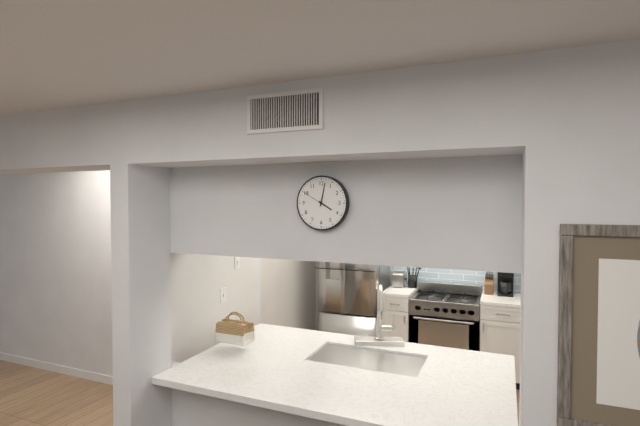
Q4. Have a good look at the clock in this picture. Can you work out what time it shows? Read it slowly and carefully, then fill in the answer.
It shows 4:02
